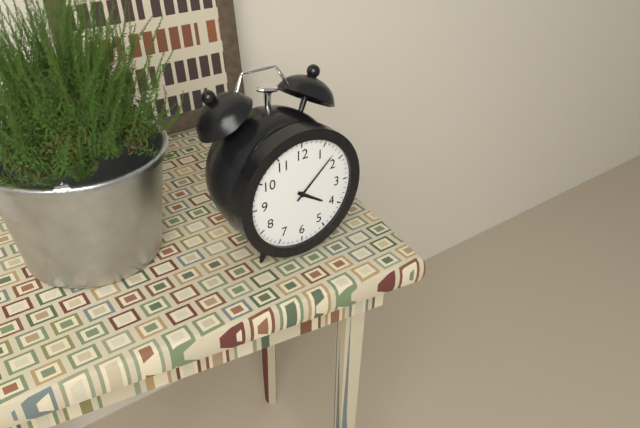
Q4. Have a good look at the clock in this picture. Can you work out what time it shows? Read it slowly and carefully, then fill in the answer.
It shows 4:08
